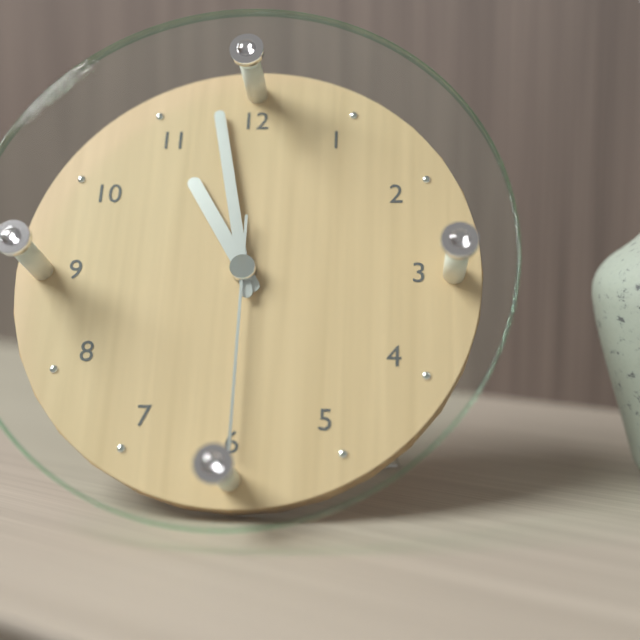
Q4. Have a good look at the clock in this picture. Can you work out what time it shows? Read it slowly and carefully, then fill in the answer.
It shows 10:58:30
